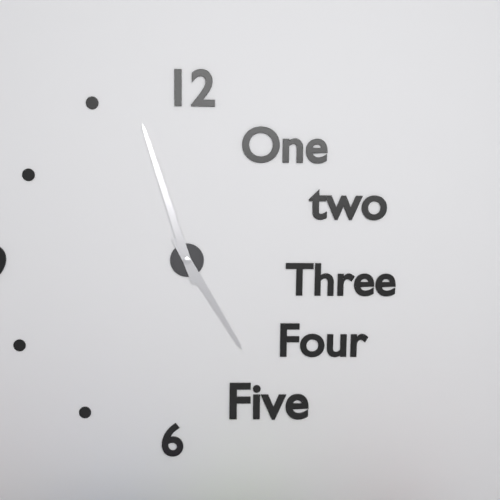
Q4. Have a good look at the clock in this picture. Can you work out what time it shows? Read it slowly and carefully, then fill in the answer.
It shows 4:57
